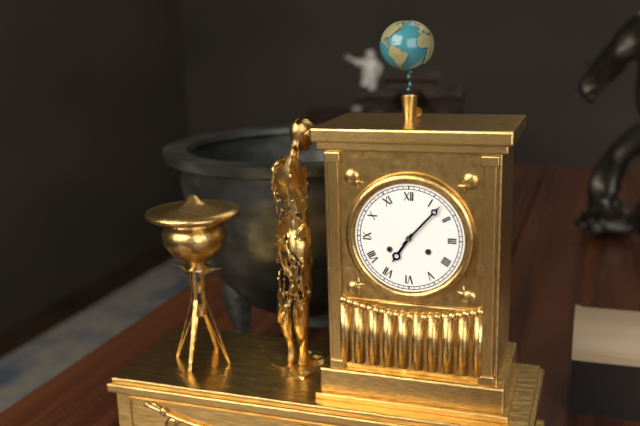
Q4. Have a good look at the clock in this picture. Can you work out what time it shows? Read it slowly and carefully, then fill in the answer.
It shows 7:07
